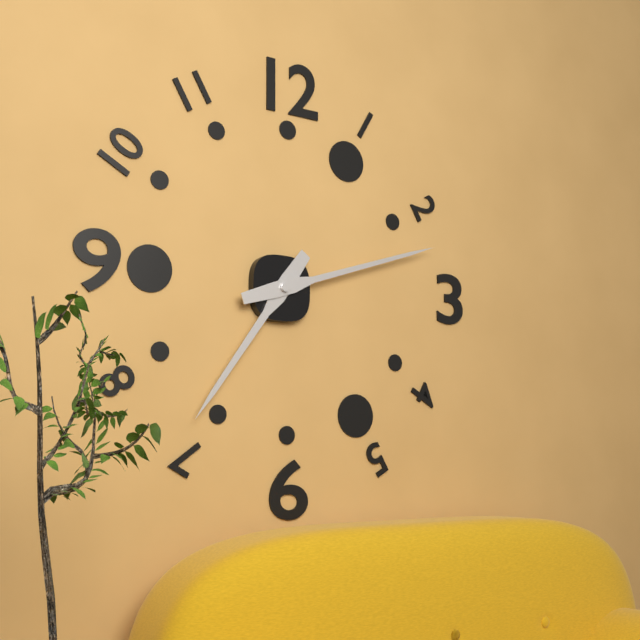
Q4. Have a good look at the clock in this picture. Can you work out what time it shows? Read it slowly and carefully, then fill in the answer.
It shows 7:12
